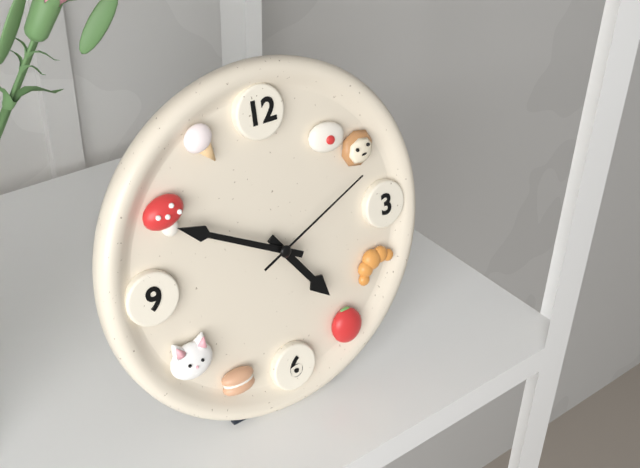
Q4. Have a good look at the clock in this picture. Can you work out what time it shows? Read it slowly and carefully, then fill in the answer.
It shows 4:50:11
